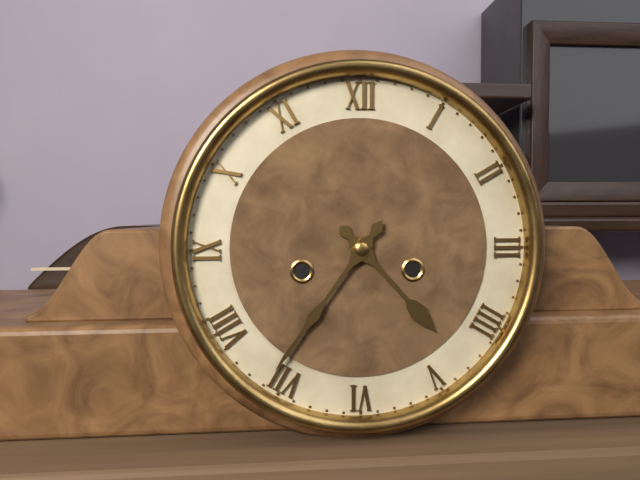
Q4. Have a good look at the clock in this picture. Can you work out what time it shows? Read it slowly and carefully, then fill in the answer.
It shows 4:36
